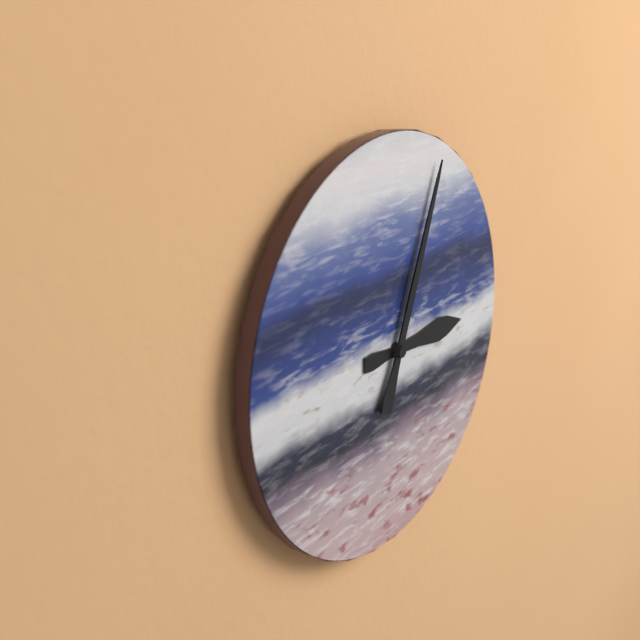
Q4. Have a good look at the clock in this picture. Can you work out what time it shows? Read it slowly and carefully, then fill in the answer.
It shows 3:04
